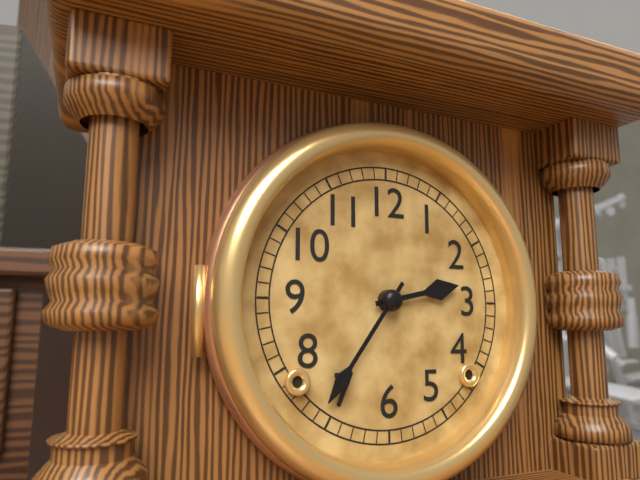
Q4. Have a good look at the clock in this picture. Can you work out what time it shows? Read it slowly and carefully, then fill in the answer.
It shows 2:36
